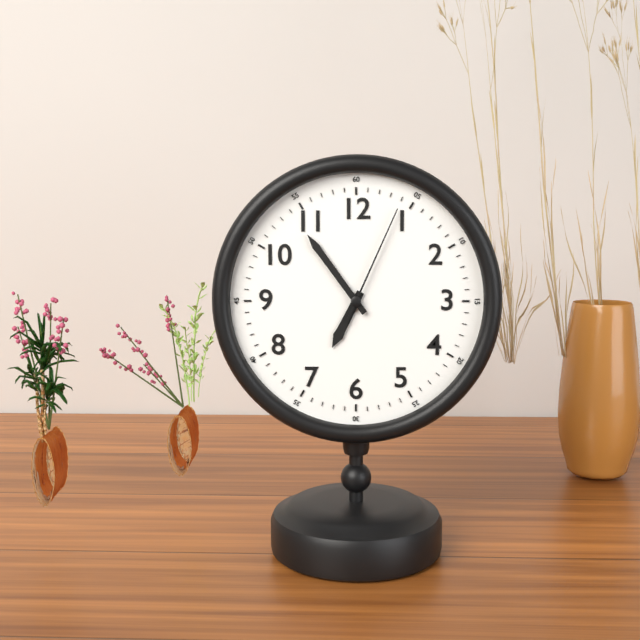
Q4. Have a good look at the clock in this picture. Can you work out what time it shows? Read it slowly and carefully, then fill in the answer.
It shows 6:54:04
